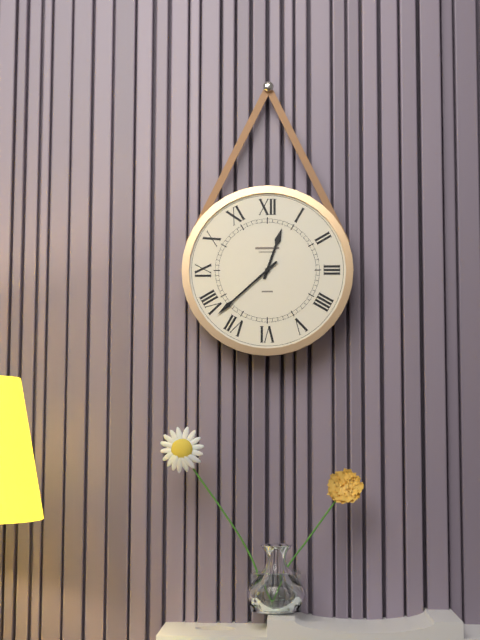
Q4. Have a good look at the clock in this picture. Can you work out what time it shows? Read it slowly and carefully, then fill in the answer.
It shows 12:38
